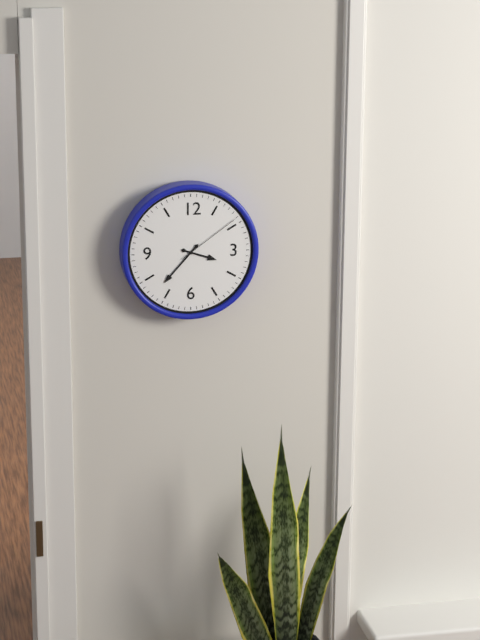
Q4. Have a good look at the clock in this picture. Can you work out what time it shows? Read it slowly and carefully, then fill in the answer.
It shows 3:37:09
